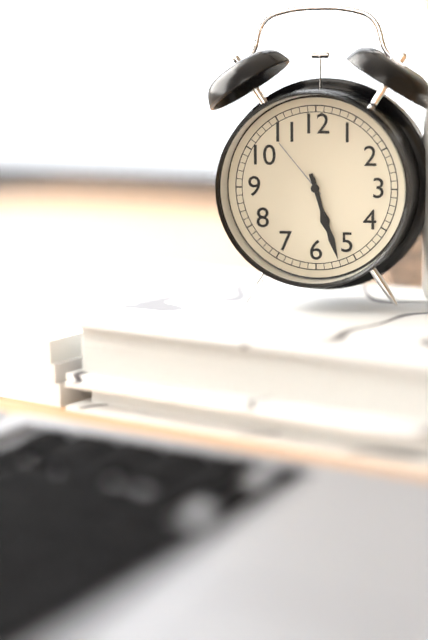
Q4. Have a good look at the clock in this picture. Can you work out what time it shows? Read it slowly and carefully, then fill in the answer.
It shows 5:27
